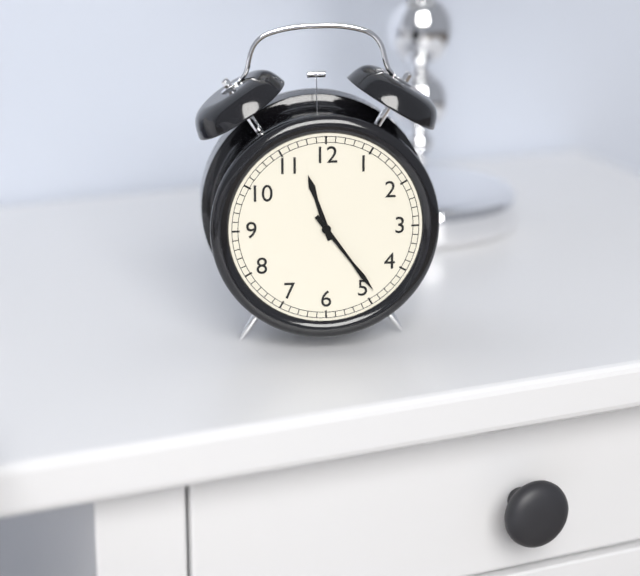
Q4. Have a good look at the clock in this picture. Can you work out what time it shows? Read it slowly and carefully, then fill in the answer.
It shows 11:24
